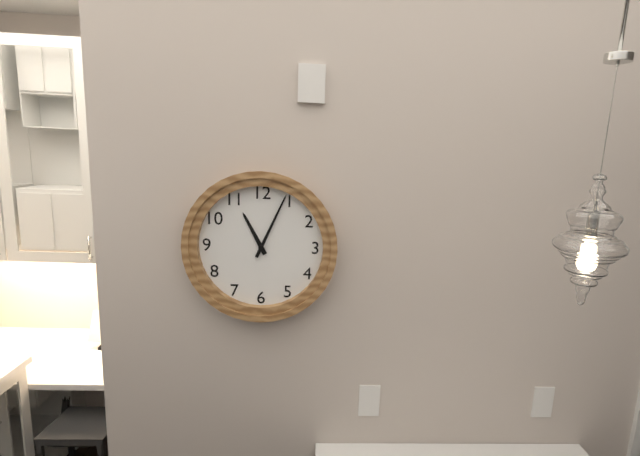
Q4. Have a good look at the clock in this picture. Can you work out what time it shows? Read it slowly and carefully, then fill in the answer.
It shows 11:04
